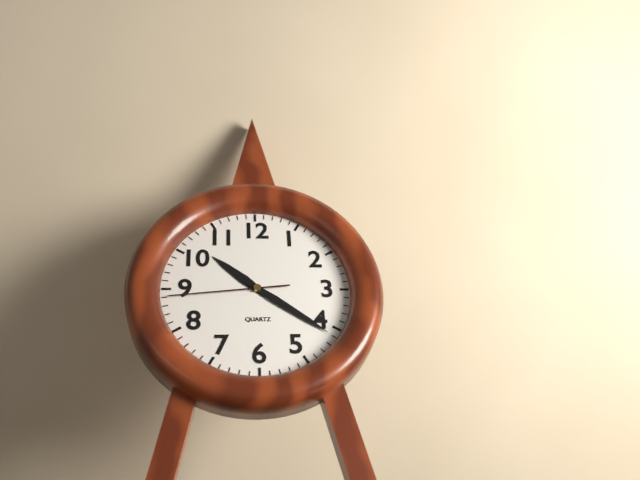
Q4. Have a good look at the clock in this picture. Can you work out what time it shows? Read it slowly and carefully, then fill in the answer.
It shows 10:21:44
